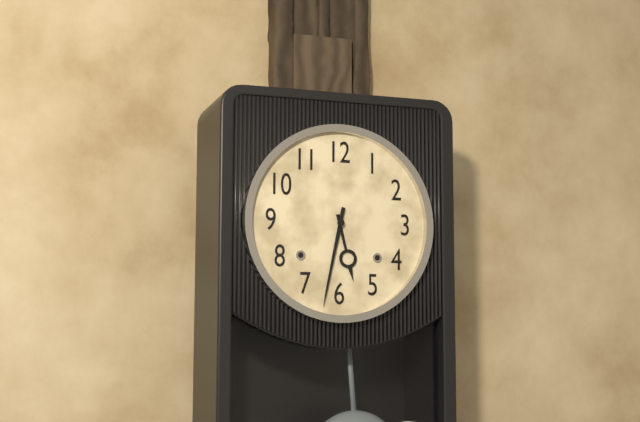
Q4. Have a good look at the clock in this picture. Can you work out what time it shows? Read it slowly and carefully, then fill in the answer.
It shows 5:32
